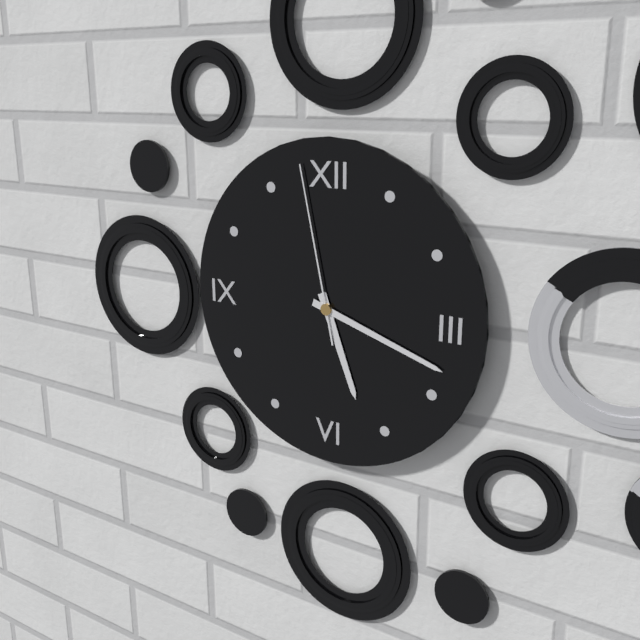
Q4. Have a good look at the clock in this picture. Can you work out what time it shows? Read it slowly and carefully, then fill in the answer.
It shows 5:18:58
